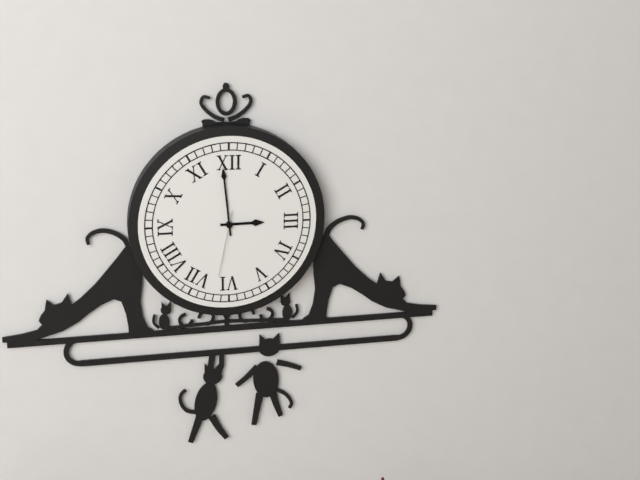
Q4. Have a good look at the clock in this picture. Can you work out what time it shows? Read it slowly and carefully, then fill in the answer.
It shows 2:59:32
